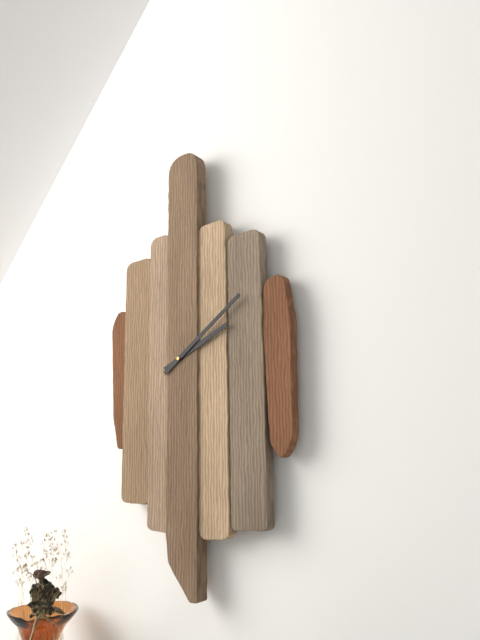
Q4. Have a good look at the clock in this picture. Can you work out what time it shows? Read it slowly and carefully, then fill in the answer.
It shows 2:09
